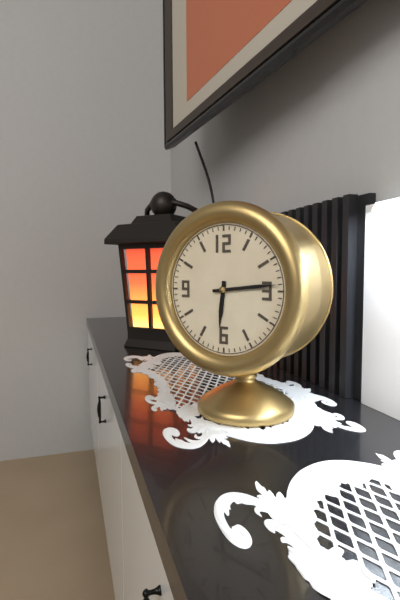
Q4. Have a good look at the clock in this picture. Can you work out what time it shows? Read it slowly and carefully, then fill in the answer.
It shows 6:14
